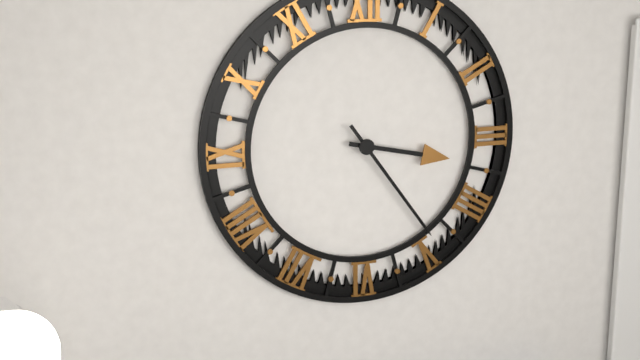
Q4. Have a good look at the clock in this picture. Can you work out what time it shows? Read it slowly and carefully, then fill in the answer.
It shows 3:24
